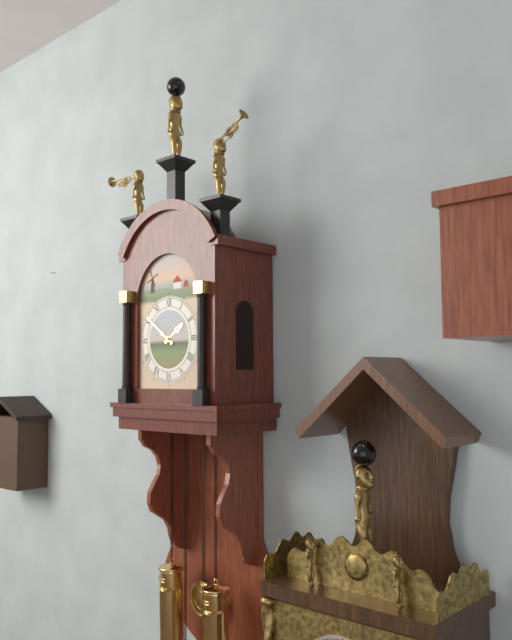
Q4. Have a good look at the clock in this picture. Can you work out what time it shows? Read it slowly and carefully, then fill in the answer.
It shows 1:51
